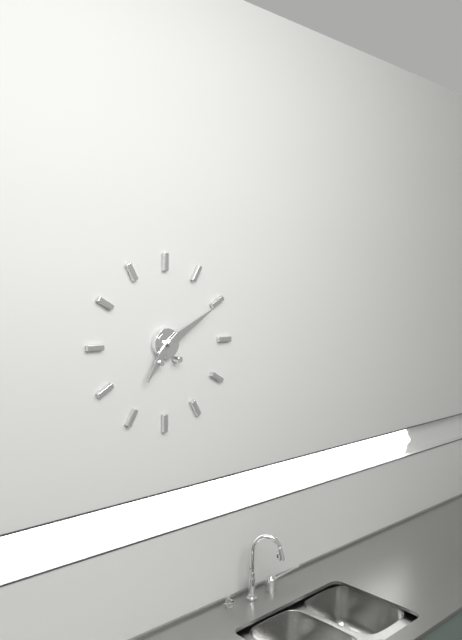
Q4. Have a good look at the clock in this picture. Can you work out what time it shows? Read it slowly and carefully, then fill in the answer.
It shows 7:10
